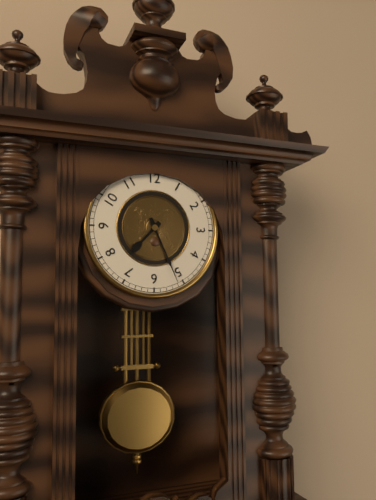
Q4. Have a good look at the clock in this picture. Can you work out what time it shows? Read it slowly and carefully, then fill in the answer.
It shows 7:26
